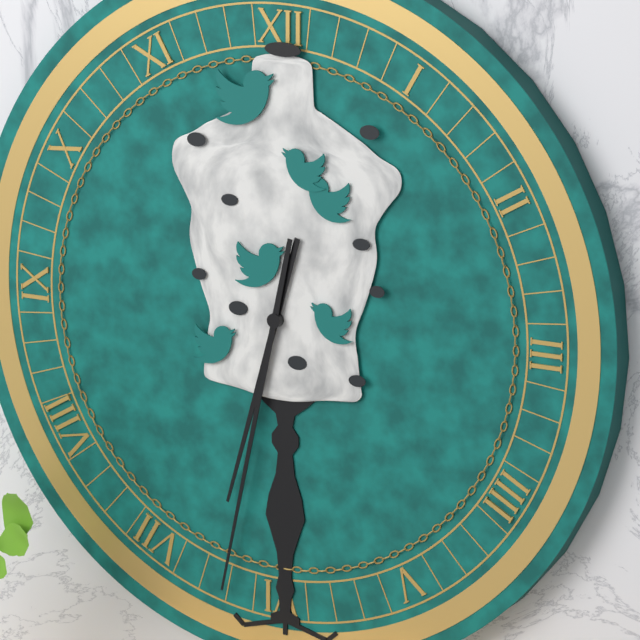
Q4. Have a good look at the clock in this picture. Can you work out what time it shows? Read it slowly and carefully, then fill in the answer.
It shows 6:32
